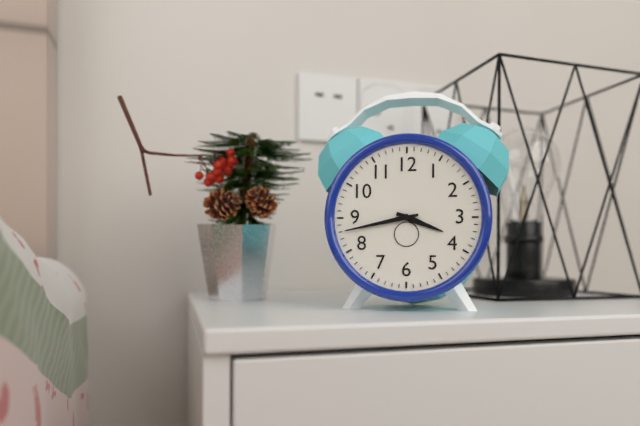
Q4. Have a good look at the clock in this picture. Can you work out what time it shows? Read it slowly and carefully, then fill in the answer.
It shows 3:43
